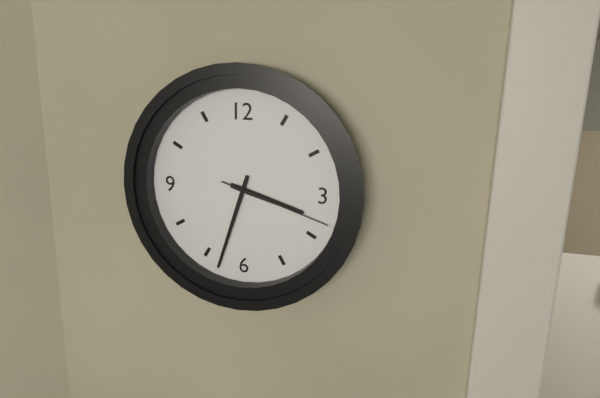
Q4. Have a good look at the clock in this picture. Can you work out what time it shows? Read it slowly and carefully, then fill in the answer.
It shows 3:33:18
